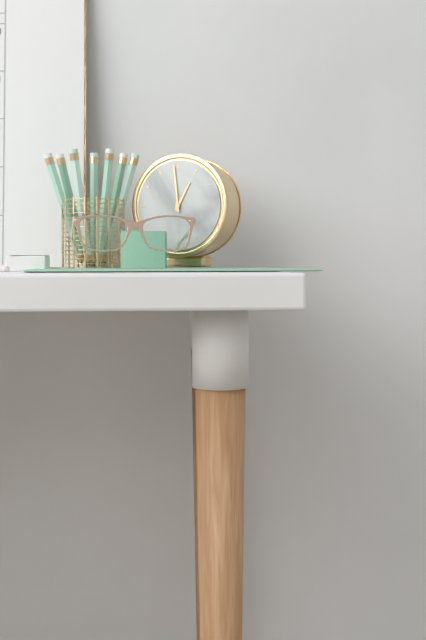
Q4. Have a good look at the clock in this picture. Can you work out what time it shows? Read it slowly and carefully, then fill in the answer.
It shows 12:59
